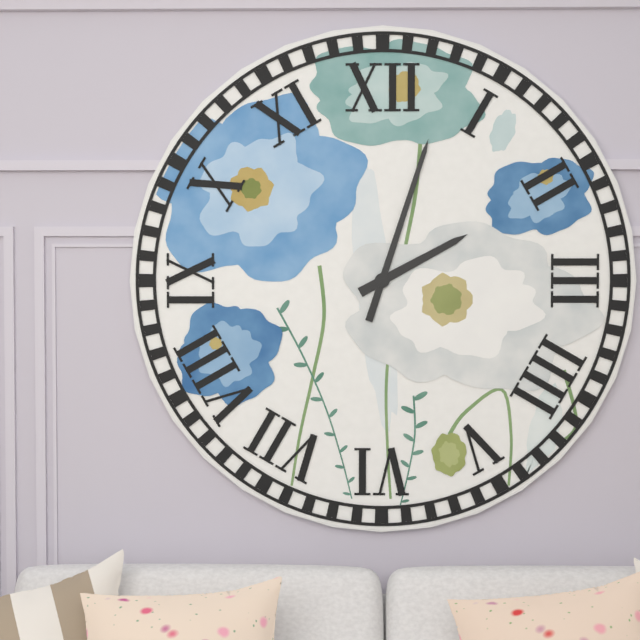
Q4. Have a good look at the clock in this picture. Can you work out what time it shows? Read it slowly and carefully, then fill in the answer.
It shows 2:03
